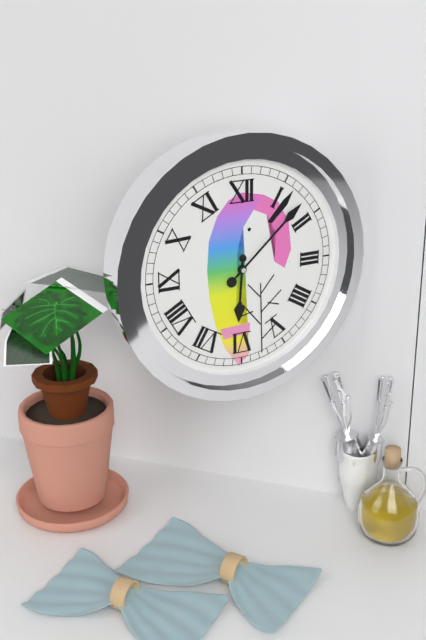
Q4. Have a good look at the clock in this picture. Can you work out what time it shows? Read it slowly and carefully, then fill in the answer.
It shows 6:08
